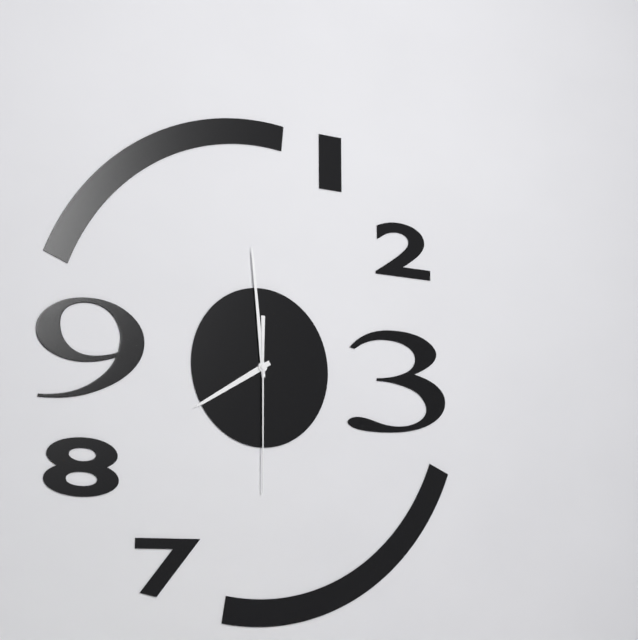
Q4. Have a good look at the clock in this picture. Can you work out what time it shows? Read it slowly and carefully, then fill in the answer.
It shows 7:59:30
